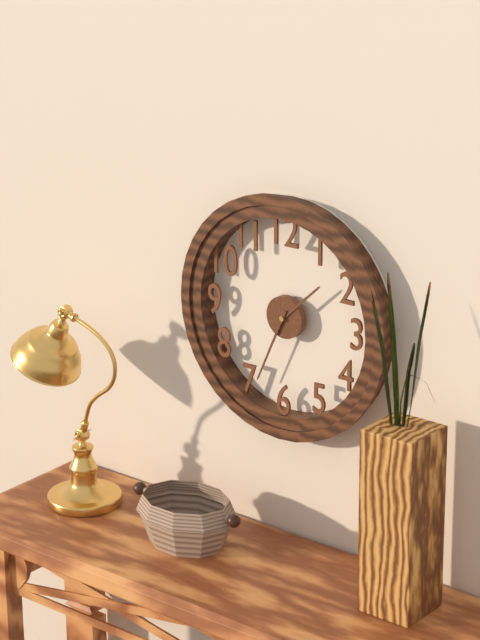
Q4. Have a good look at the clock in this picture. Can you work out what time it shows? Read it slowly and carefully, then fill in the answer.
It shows 1:34
